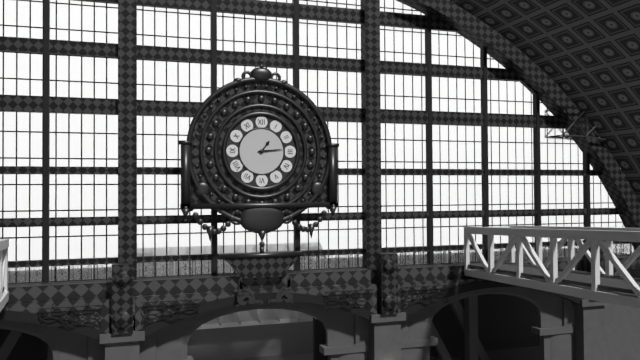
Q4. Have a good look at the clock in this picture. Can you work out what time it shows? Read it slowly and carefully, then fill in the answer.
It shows 1:14
